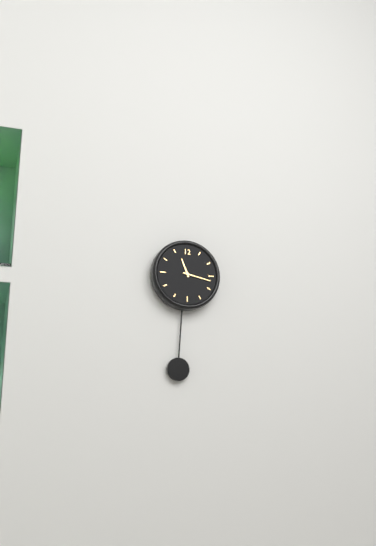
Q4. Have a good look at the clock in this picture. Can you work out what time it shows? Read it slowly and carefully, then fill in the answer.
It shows 11:17
